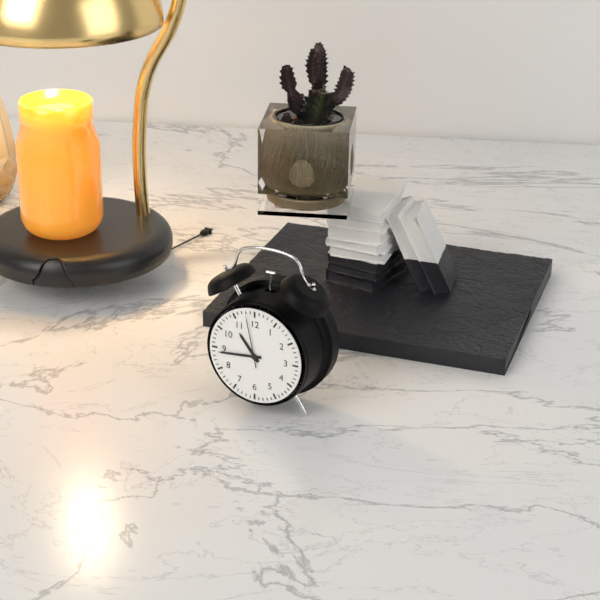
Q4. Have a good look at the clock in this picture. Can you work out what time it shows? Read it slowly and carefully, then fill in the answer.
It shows 10:44:58
